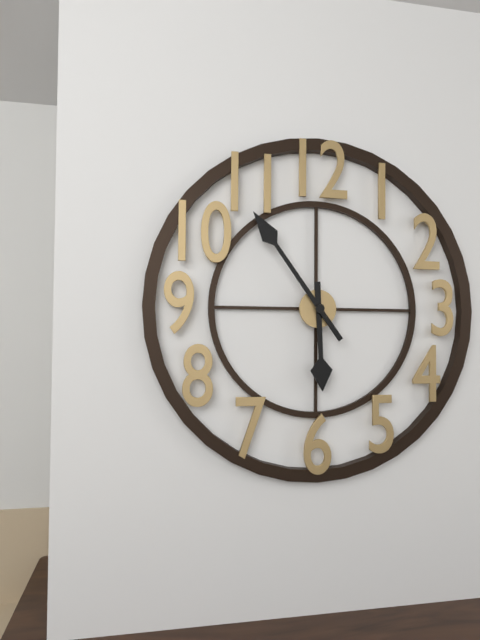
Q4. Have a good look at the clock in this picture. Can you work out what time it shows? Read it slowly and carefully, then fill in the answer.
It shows 5:54
